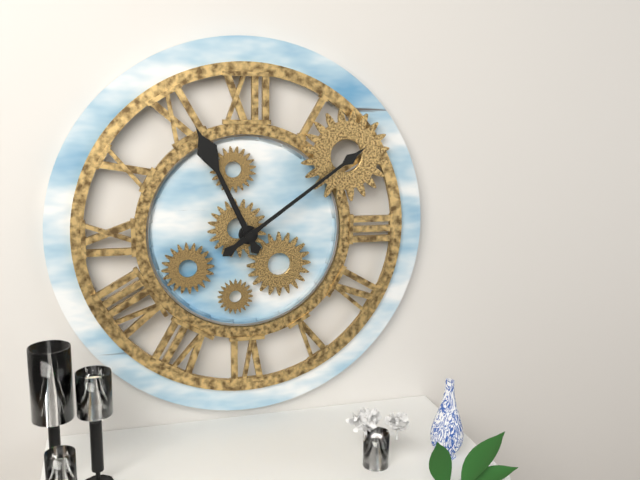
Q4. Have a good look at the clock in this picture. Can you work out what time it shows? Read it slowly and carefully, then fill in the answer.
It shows 11:09
